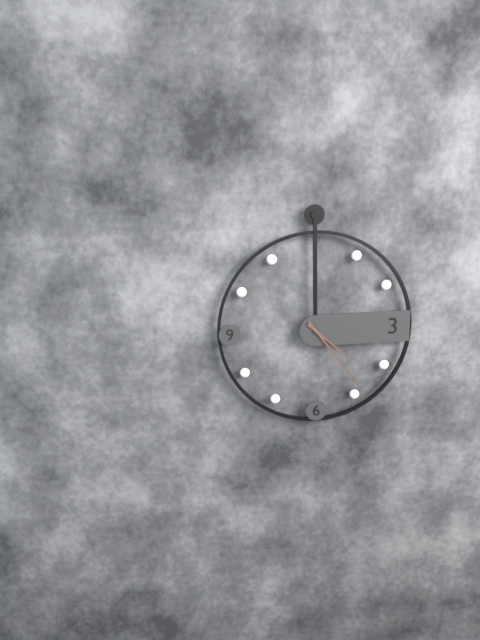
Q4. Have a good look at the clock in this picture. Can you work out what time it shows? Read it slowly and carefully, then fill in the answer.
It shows 4:24
